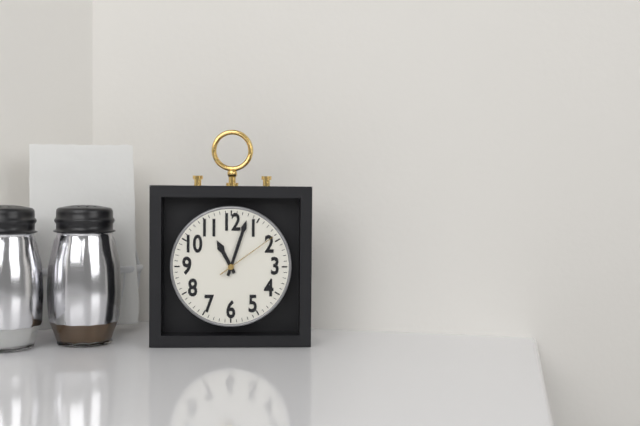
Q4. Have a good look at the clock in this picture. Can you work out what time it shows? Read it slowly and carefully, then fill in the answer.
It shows 11:03:09
